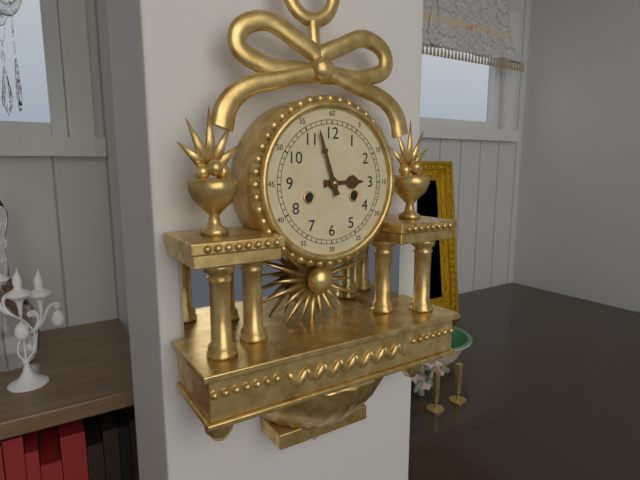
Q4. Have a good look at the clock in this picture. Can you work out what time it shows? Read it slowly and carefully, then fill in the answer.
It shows 2:57
